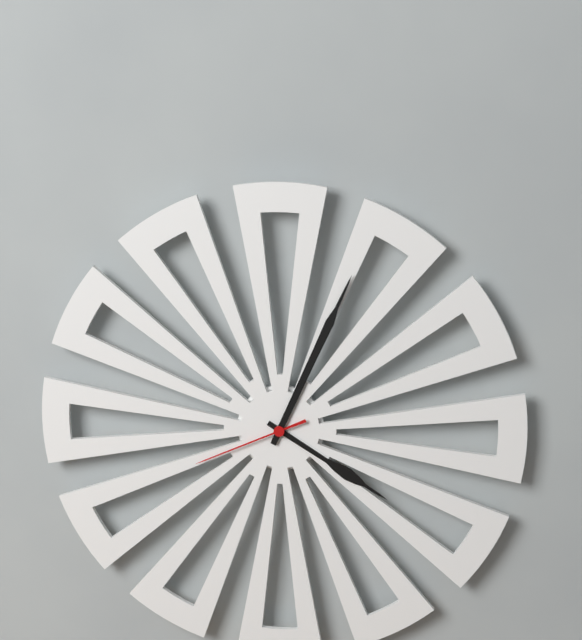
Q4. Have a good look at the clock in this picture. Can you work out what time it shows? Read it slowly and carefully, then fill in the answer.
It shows 4:04:41
